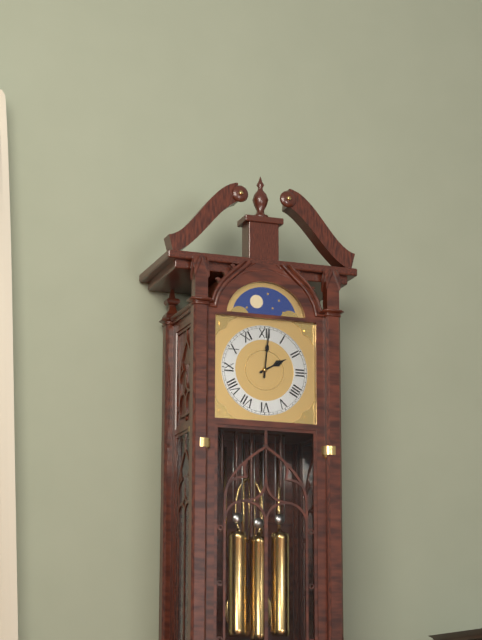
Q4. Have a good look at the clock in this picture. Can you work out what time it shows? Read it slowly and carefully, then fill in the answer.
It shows 2:01
